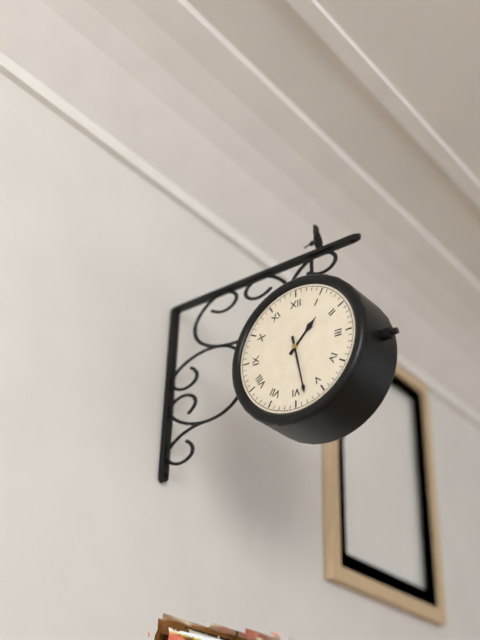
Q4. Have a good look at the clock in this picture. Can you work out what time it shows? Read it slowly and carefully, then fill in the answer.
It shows 1:28
